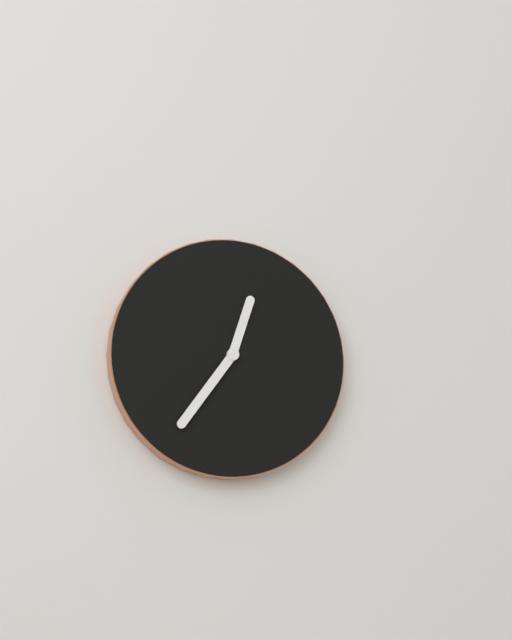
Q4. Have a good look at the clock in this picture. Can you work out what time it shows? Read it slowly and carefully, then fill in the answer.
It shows 12:36
